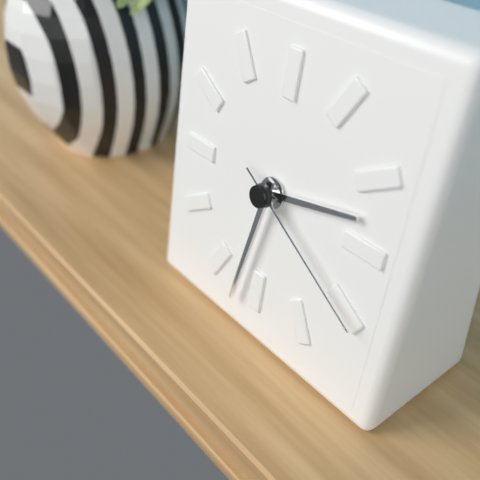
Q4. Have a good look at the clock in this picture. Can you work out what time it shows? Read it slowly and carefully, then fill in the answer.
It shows 2:32:20
